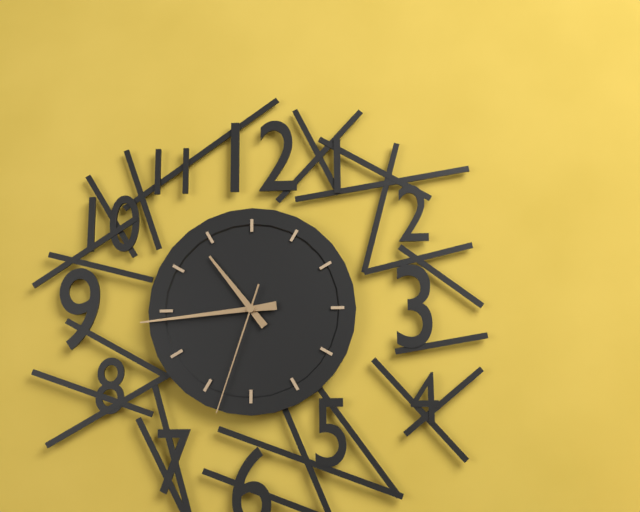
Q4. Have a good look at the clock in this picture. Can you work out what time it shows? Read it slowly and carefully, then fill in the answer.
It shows 10:44:33
